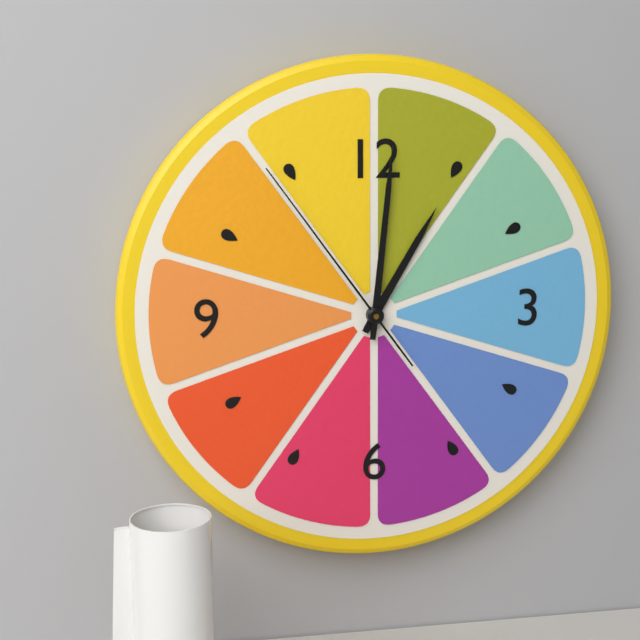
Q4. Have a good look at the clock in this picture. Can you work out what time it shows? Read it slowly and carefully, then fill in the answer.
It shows 1:01:54
